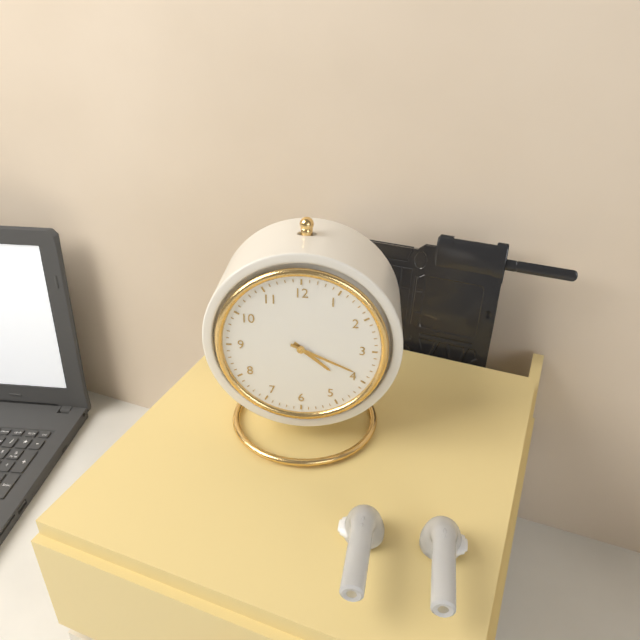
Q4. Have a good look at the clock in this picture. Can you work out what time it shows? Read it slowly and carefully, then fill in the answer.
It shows 4:19
